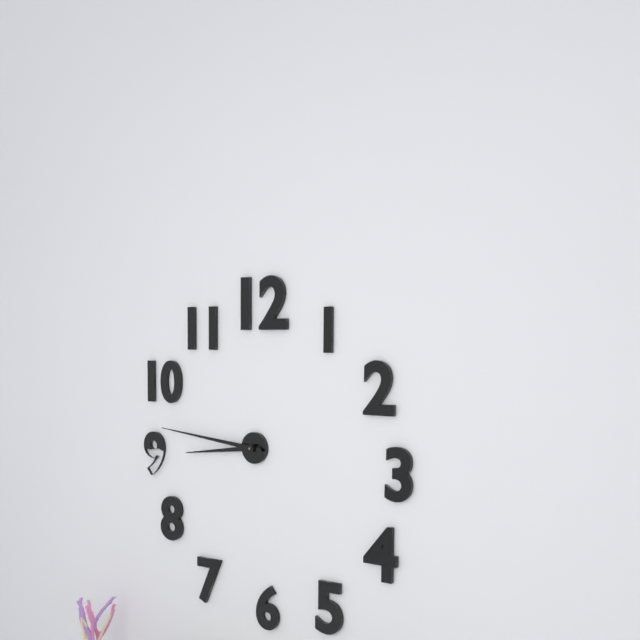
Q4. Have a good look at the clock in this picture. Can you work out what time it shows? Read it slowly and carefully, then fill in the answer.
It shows 8:46
